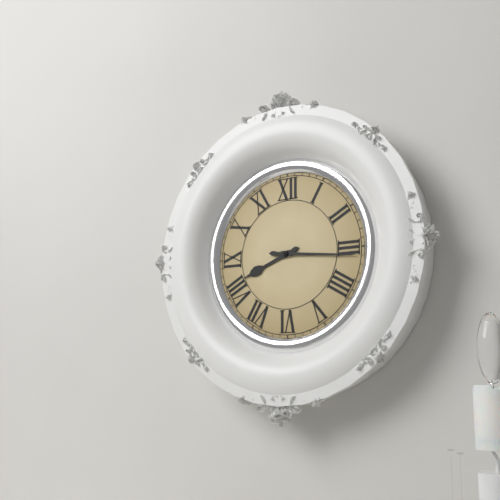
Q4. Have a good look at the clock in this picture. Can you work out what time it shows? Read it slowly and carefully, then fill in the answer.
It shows 8:16
